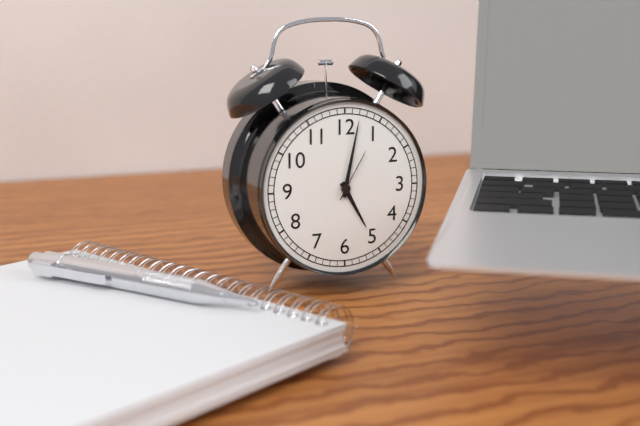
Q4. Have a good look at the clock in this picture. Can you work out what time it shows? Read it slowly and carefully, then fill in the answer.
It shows 5:02:05
